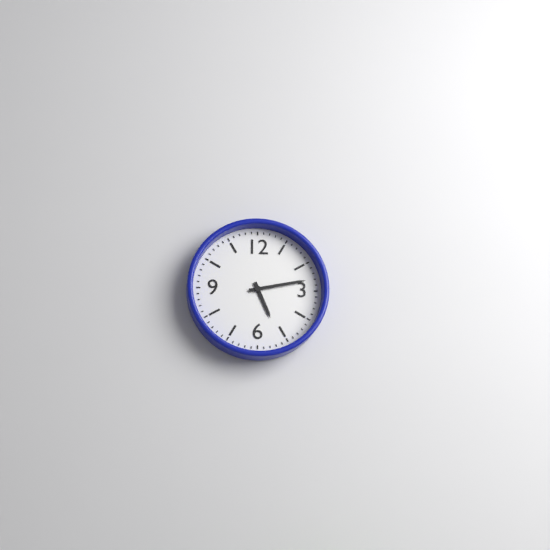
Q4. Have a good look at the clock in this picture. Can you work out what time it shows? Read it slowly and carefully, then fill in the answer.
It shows 5:13
